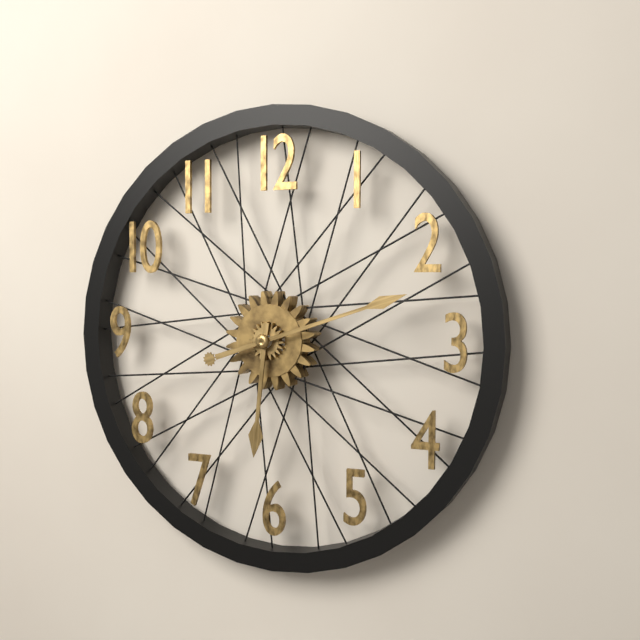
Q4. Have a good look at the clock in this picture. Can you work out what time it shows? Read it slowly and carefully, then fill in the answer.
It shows 6:12
